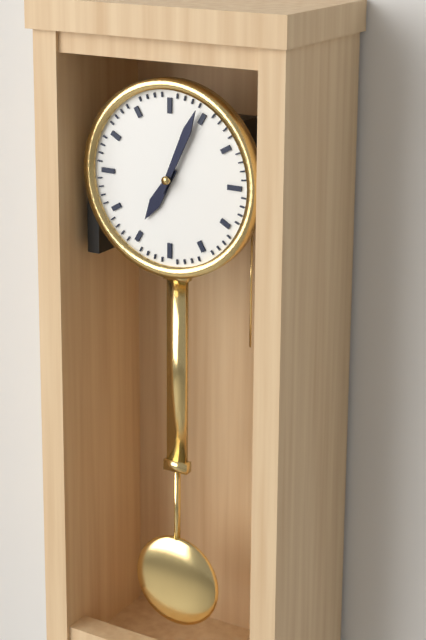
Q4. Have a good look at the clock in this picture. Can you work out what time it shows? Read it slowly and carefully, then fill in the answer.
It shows 7:04
